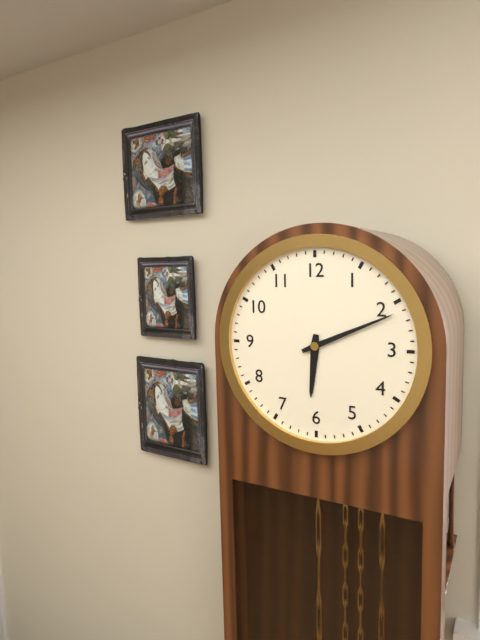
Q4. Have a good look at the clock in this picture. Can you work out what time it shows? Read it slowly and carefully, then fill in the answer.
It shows 6:11
